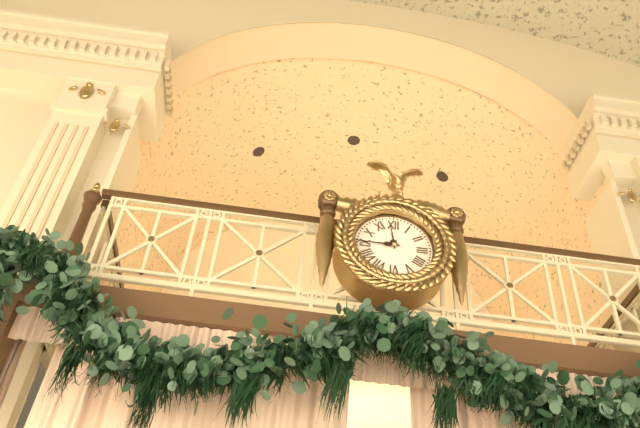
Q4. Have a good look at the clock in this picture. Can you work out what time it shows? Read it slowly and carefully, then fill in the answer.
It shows 11:45
